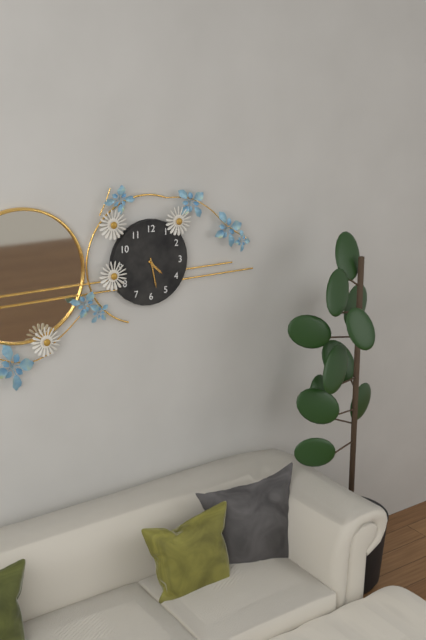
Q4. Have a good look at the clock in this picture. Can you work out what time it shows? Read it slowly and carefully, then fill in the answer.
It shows 4:28
